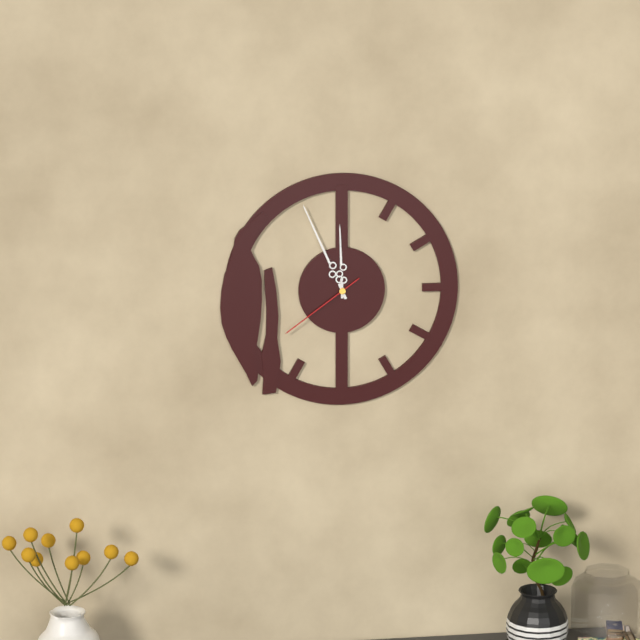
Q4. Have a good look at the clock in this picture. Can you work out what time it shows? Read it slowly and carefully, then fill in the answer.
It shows 11:56:39
